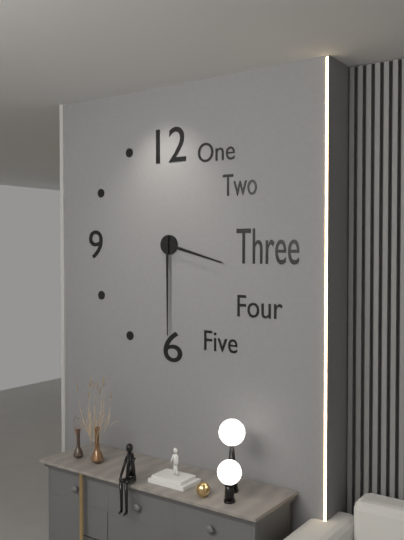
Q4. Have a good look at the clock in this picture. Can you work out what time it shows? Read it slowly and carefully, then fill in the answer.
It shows 3:30
